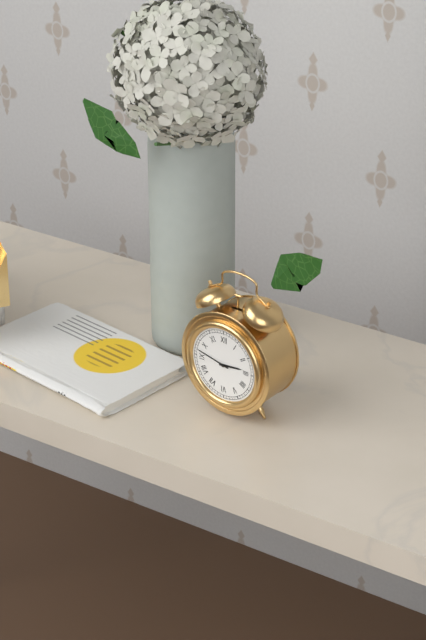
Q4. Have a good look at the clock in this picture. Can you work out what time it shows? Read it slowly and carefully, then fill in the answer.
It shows 2:47
